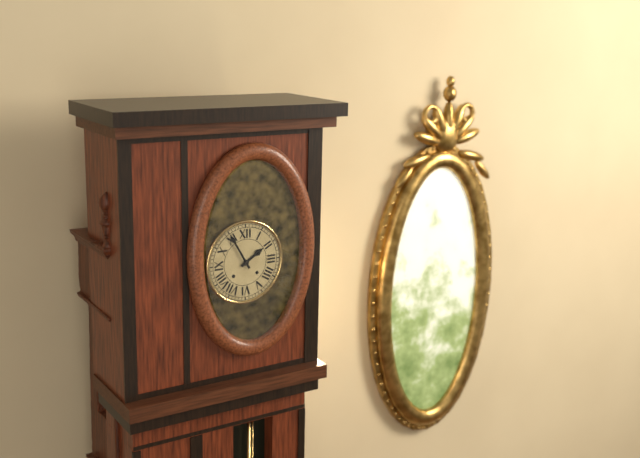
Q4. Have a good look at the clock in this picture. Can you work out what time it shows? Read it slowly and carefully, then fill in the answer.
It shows 1:55
